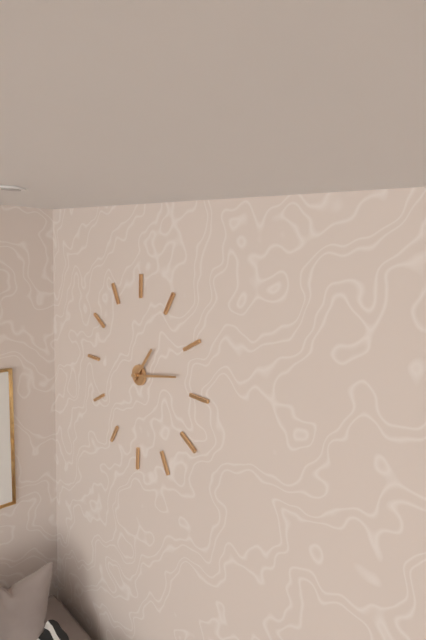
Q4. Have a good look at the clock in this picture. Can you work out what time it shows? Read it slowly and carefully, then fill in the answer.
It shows 1:13
